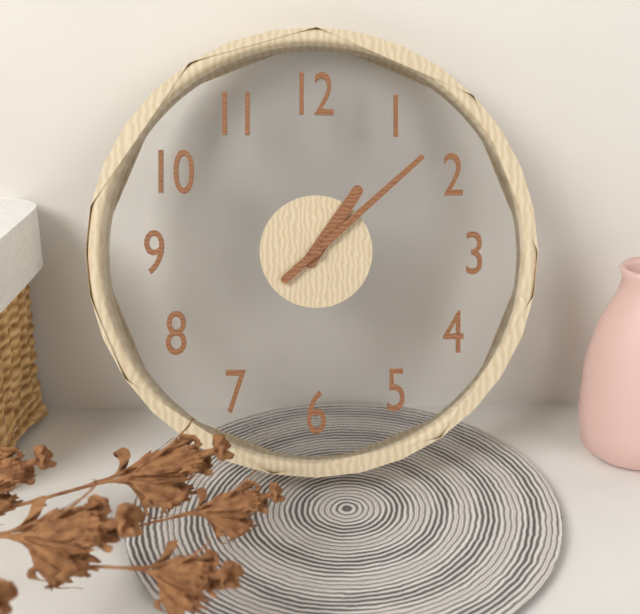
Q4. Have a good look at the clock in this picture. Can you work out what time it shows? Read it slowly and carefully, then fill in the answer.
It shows 1:08
